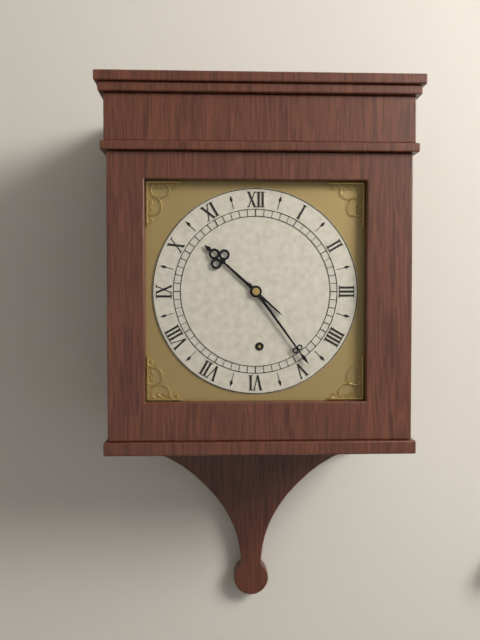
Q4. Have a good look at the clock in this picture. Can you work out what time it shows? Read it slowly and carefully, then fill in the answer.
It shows 10:24
